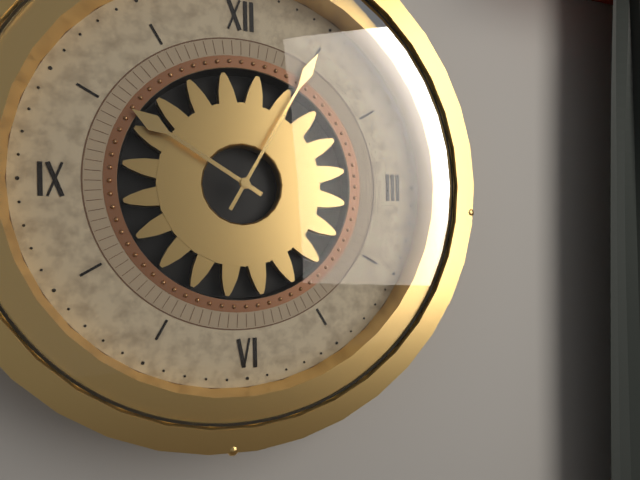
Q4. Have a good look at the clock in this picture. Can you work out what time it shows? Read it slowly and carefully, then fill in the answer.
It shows 10:05
